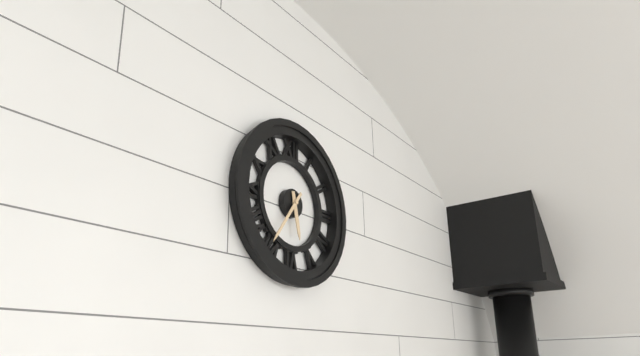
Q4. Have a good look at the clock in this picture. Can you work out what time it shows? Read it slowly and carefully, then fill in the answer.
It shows 5:36
